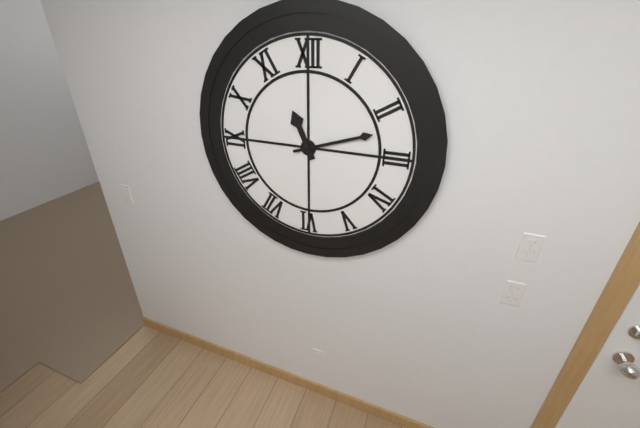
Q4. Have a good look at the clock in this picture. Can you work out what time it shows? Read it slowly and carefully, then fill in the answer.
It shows 11:12
